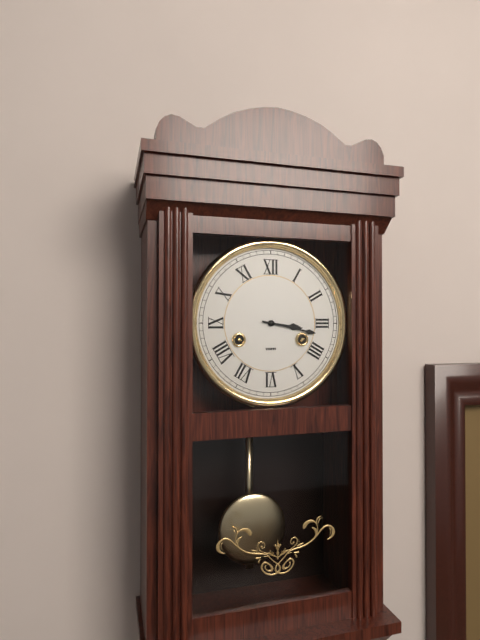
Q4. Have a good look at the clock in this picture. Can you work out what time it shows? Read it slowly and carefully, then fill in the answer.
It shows 3:17
